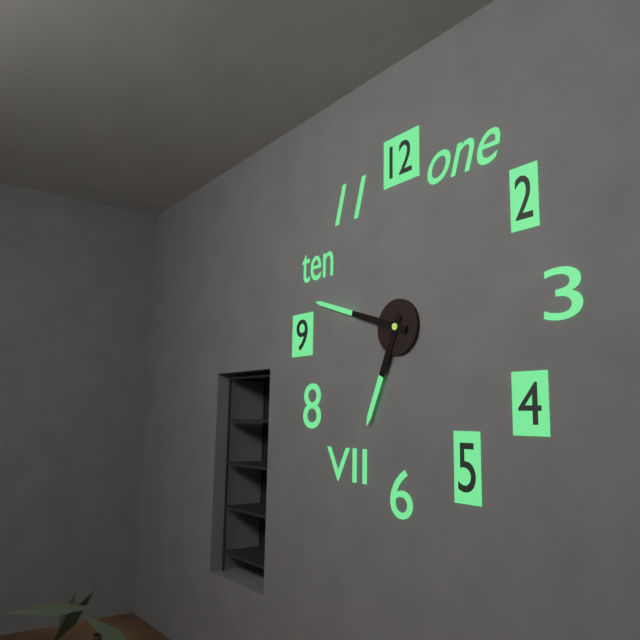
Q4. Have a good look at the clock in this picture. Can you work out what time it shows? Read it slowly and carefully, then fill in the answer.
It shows 6:48
